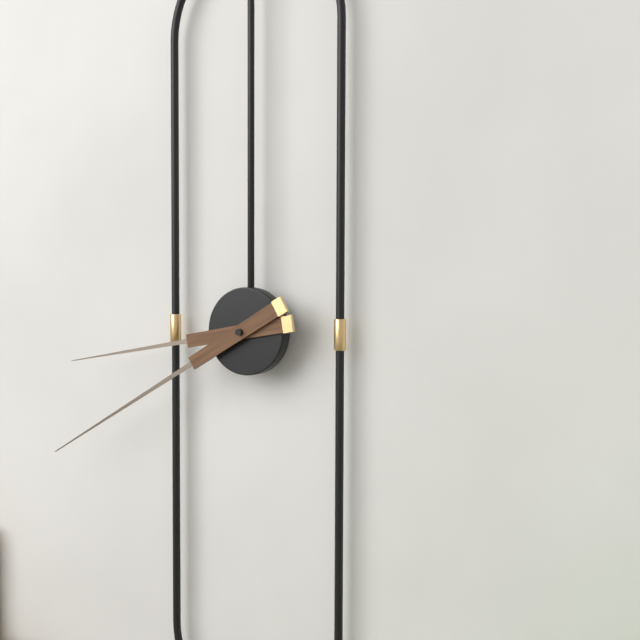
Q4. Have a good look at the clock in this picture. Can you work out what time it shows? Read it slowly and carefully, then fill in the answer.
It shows 8:40
